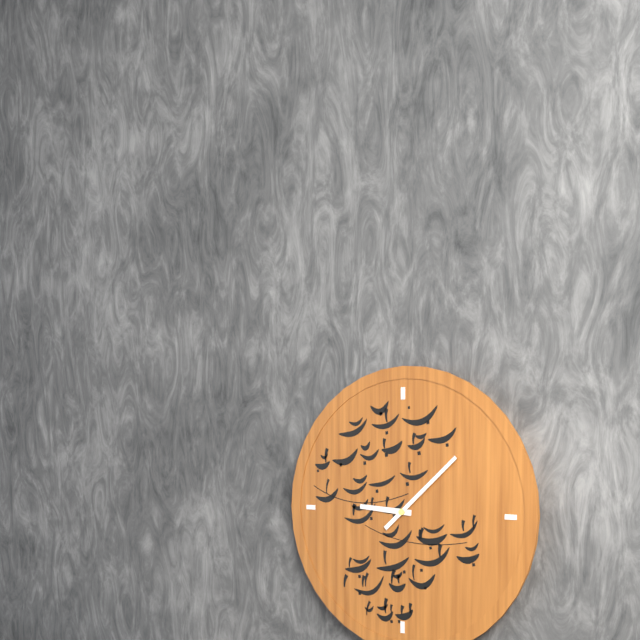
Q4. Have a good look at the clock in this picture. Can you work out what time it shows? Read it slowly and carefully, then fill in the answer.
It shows 9:08
